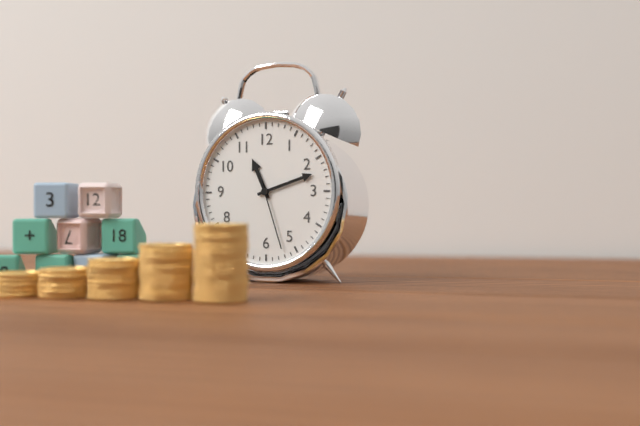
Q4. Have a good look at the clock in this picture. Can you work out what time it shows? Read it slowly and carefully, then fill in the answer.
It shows 11:12:27
